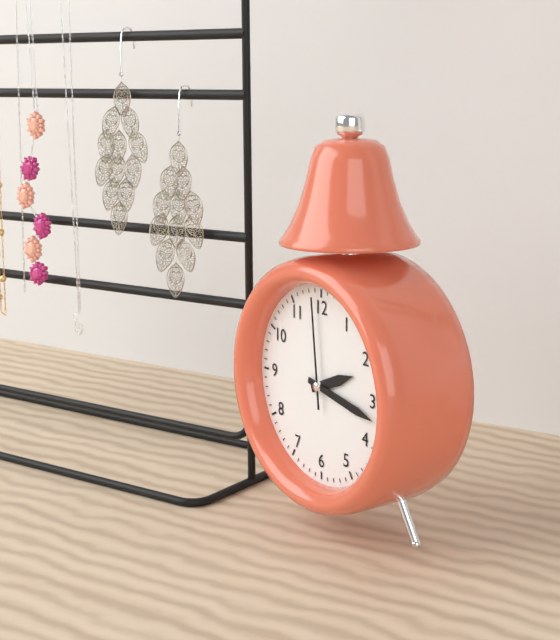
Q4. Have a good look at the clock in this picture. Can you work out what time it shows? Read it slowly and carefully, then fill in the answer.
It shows 2:17:59
